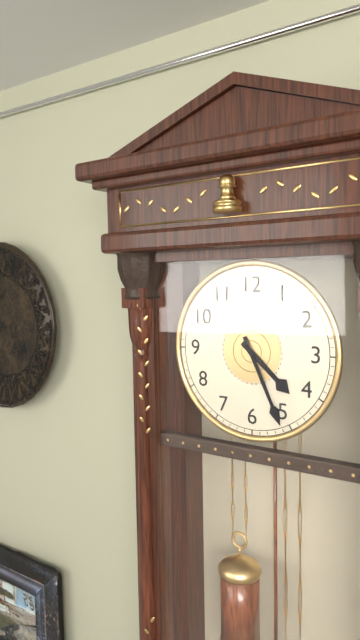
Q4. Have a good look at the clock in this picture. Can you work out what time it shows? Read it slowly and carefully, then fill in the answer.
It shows 4:26
